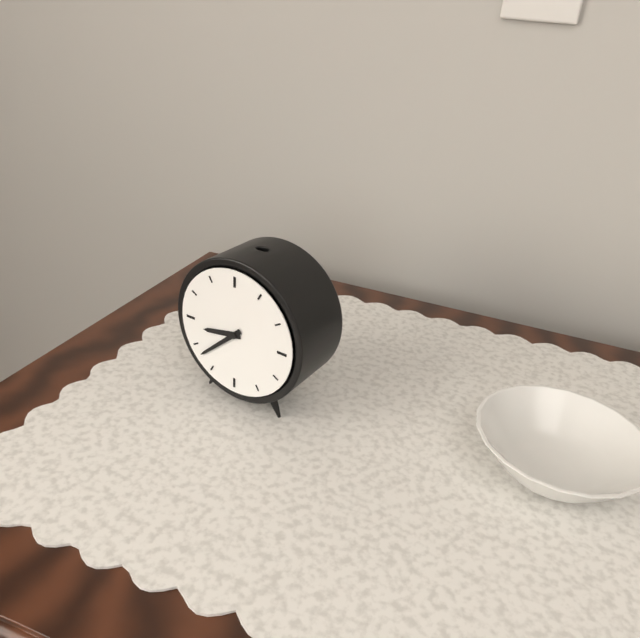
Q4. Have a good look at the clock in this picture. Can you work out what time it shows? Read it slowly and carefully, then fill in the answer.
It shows 8:38
